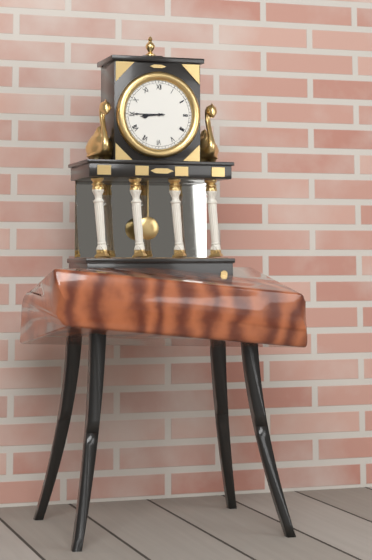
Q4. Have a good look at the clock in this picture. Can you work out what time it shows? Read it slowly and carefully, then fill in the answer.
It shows 8:45
